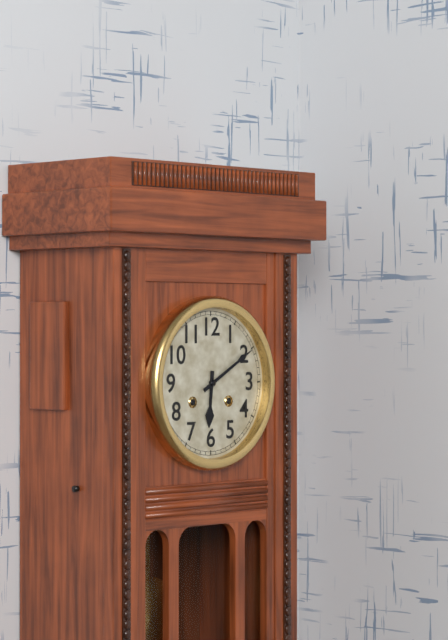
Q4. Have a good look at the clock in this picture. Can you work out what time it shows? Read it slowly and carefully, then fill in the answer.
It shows 6:10
